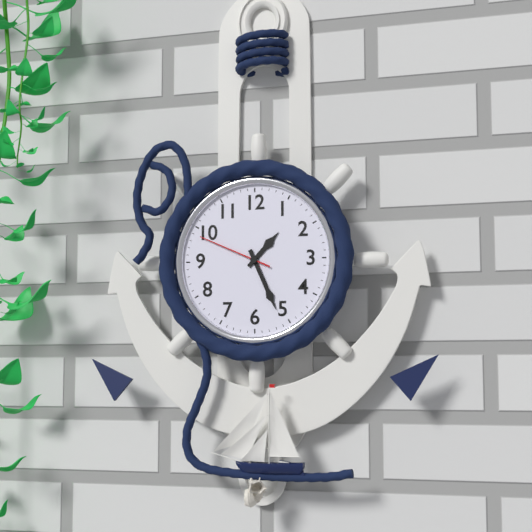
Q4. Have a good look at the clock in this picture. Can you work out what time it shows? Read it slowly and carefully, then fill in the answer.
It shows 1:26:49
